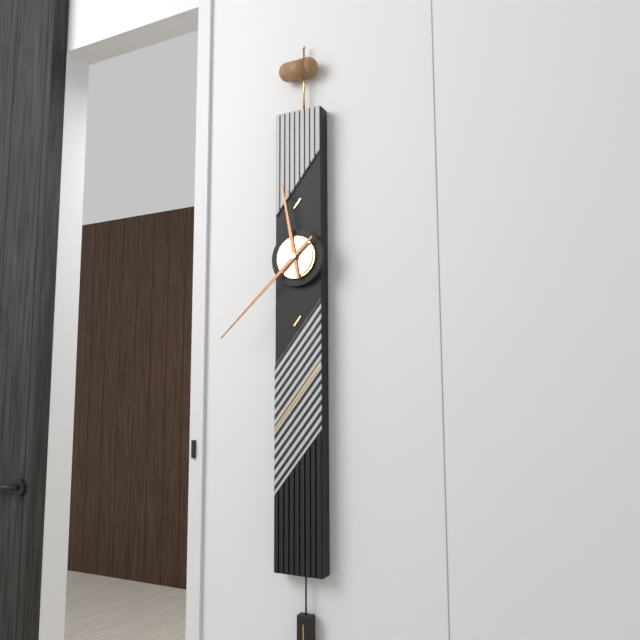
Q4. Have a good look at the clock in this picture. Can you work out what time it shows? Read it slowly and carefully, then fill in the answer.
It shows 11:38
